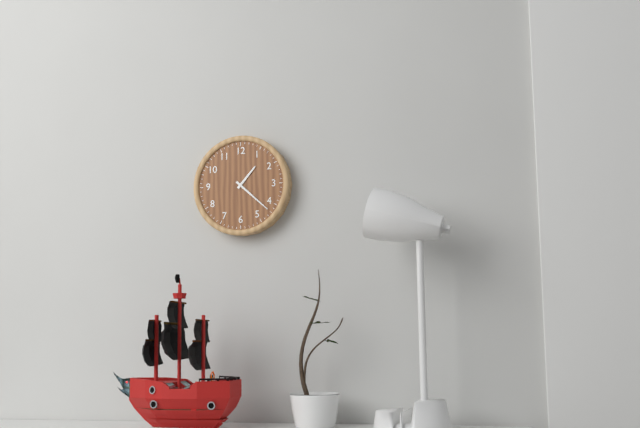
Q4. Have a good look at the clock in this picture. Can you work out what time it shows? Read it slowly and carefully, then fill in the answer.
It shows 1:22
